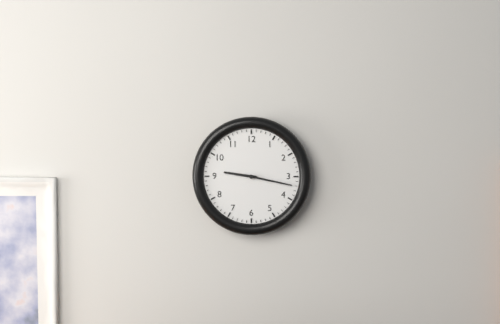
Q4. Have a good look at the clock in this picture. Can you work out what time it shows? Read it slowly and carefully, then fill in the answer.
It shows 9:17
